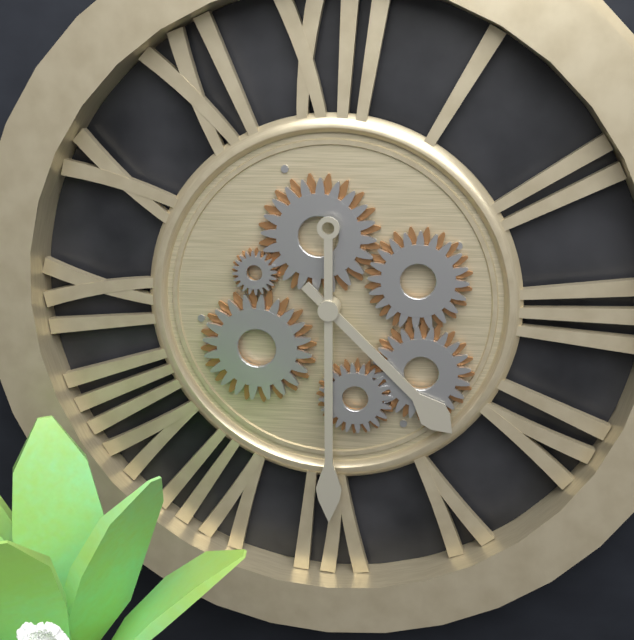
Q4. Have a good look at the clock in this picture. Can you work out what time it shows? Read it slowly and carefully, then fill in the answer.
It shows 4:30
